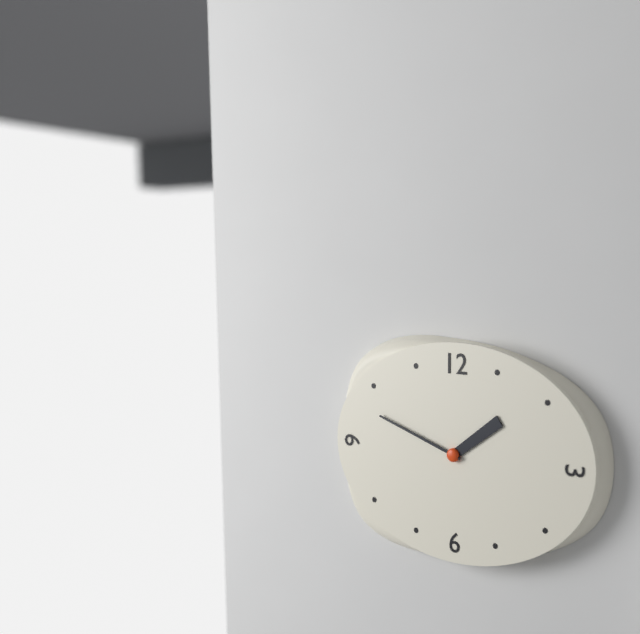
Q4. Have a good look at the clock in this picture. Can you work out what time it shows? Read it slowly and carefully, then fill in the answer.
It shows 1:48
